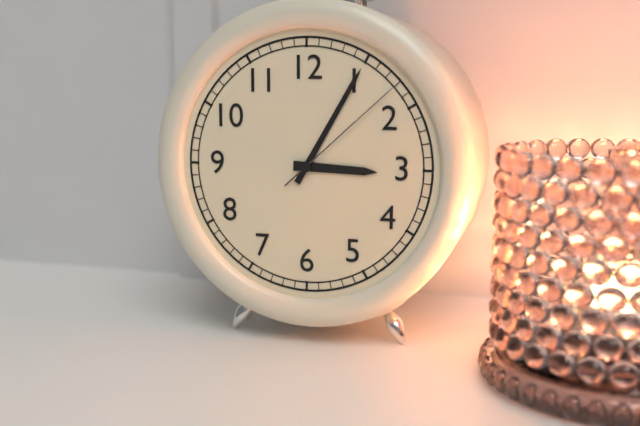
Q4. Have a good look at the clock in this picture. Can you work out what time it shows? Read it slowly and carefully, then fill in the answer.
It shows 3:05:08
